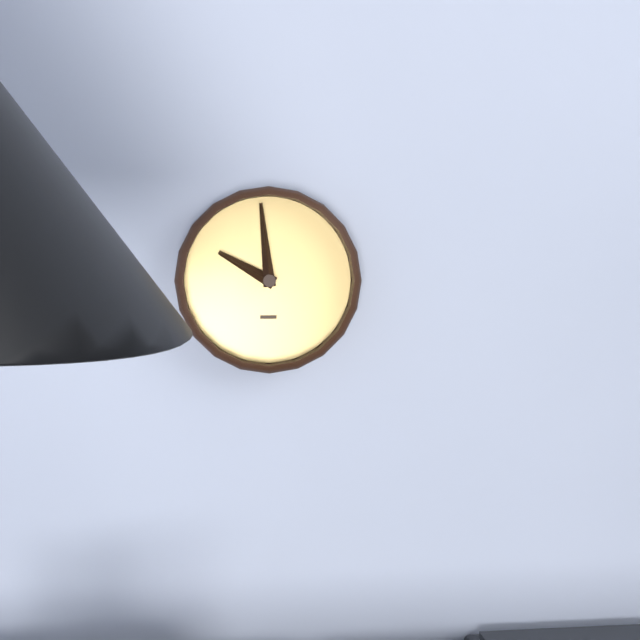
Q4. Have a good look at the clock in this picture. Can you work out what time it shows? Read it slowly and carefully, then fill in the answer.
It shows 9:59
